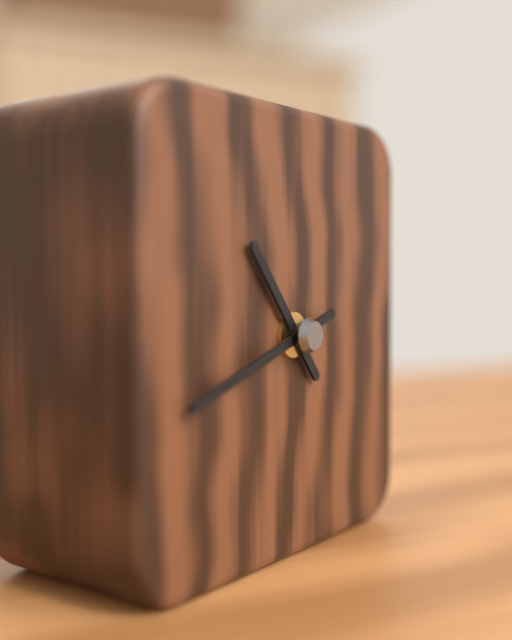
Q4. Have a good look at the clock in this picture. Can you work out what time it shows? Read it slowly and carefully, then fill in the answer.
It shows 10:42
